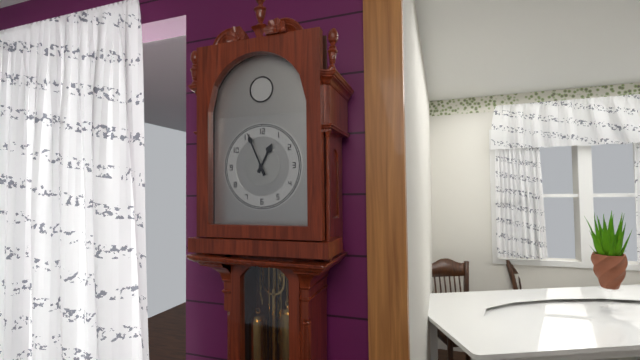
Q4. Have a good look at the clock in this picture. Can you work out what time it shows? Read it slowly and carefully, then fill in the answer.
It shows 12:56
